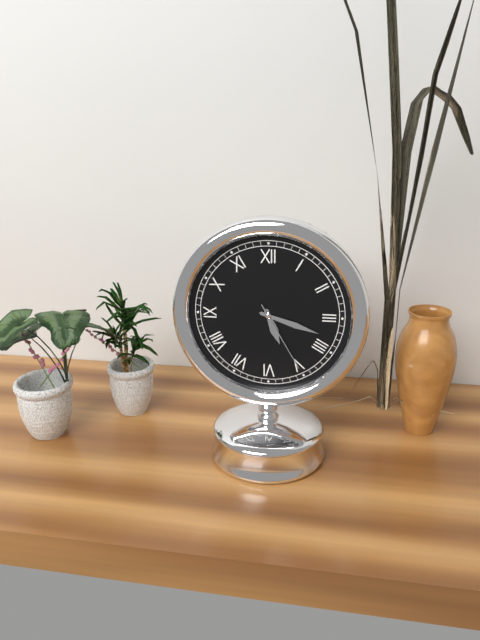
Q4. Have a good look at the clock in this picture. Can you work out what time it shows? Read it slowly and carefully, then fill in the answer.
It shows 5:18:25
